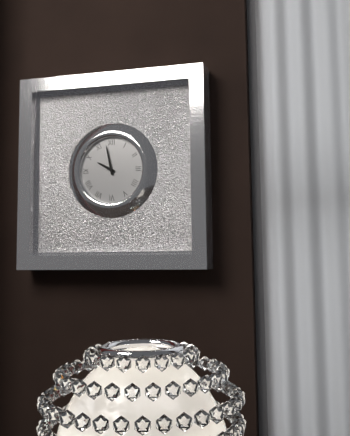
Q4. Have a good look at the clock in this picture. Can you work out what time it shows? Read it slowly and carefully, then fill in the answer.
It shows 9:58
